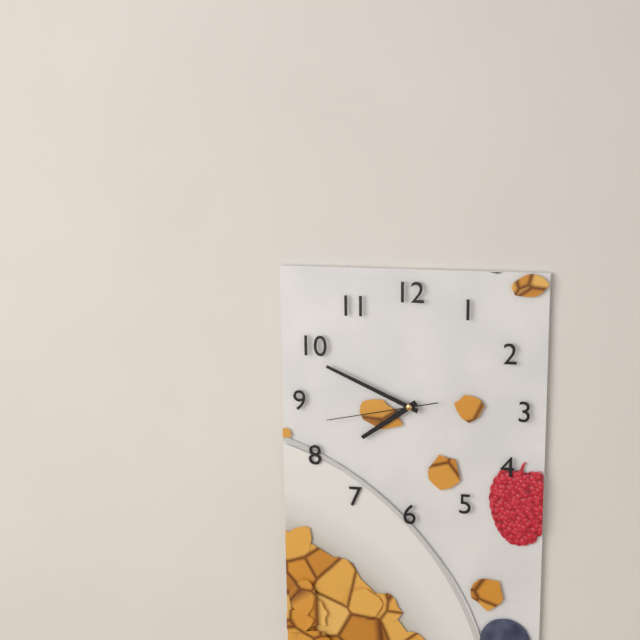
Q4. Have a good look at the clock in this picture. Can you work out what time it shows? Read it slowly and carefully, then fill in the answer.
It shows 7:49:43
